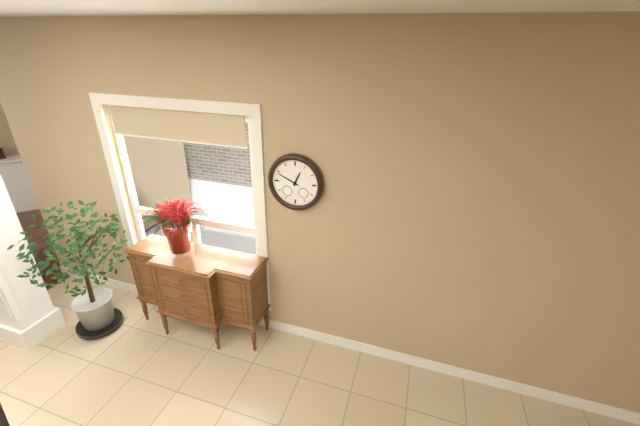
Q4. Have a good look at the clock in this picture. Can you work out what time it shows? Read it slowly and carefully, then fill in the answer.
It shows 12:49
